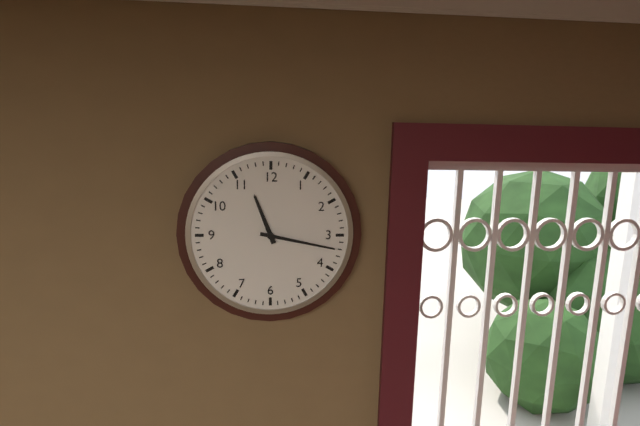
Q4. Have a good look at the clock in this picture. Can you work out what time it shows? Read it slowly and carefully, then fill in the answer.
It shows 11:17
